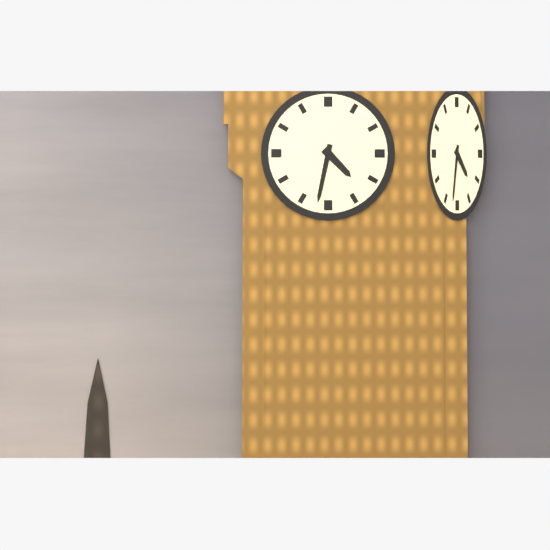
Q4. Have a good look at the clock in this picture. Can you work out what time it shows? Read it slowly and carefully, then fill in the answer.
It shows 4:32
